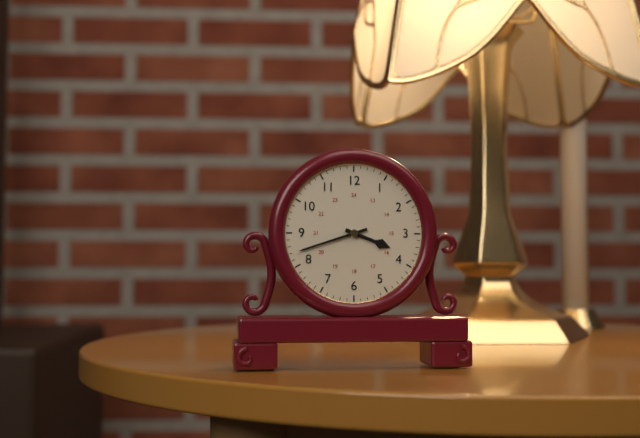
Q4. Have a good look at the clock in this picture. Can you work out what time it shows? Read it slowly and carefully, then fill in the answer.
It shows 3:42
